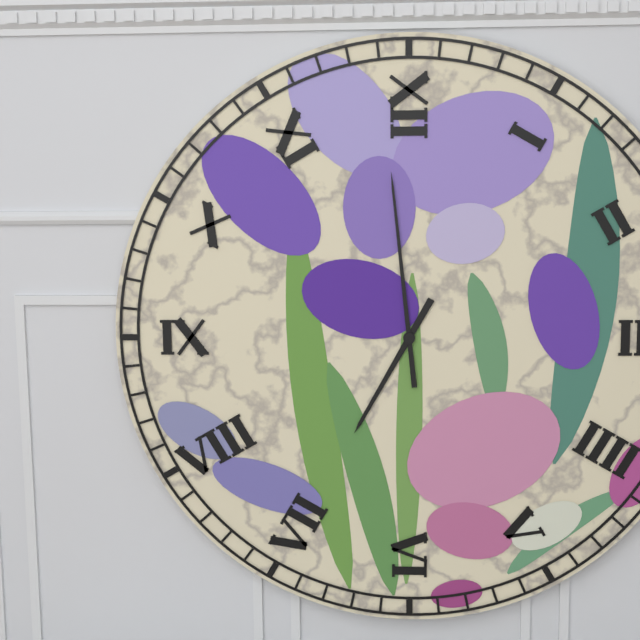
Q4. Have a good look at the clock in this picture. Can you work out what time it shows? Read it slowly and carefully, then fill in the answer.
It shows 6:59
